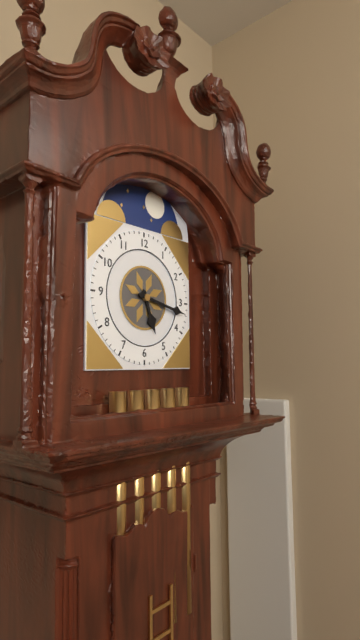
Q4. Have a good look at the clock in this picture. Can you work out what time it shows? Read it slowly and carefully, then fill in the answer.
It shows 5:17
